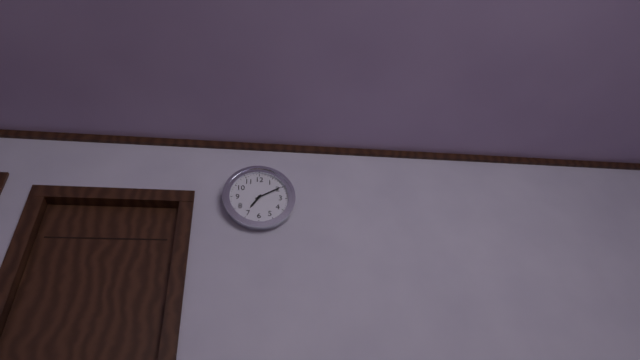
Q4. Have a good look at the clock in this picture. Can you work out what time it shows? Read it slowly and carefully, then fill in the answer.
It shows 7:10
